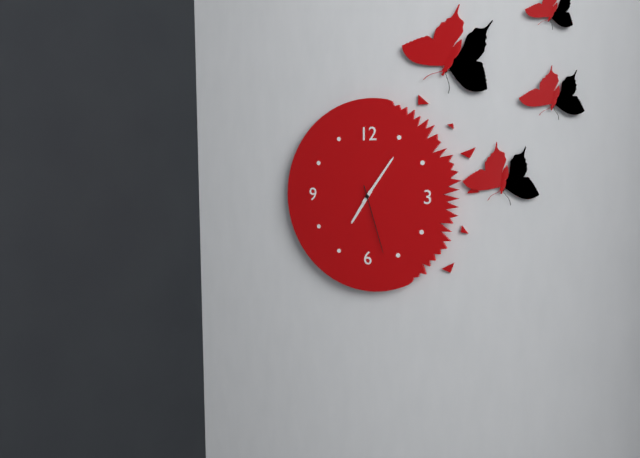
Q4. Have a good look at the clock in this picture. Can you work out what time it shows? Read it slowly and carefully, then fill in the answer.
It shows 7:06:27
